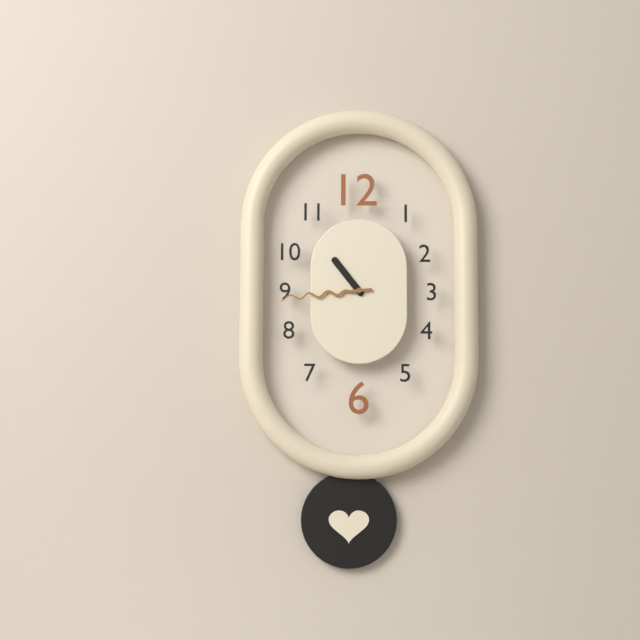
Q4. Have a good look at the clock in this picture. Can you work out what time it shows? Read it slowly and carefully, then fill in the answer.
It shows 10:44
